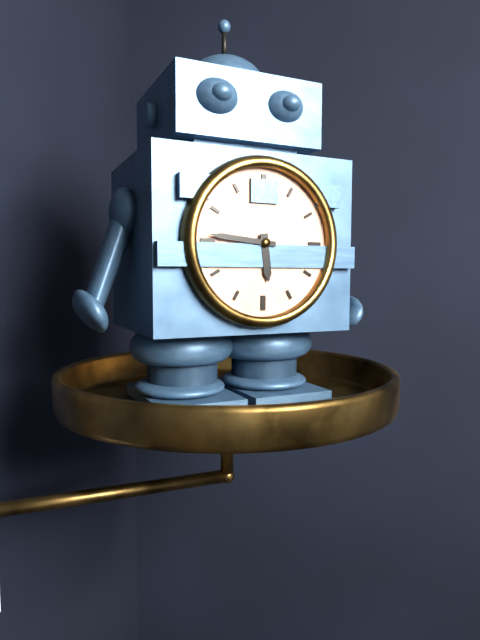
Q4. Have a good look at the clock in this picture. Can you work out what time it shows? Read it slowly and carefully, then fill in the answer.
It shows 5:46
